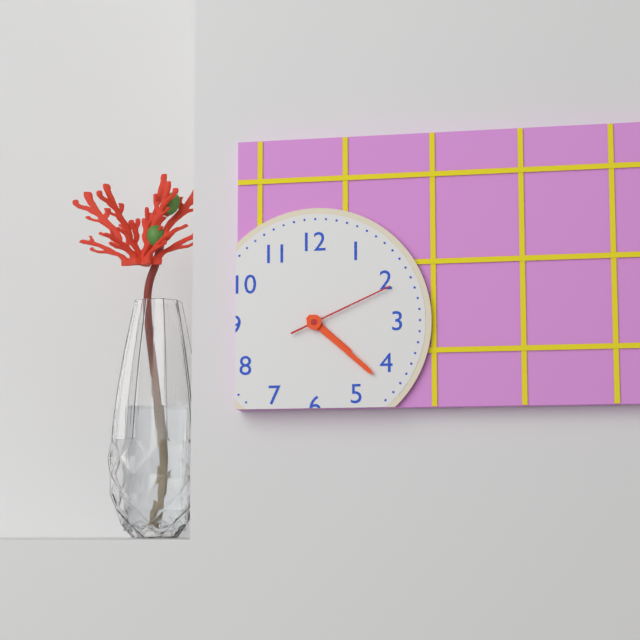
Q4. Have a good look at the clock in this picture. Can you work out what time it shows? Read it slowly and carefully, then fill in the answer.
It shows 4:22:11
